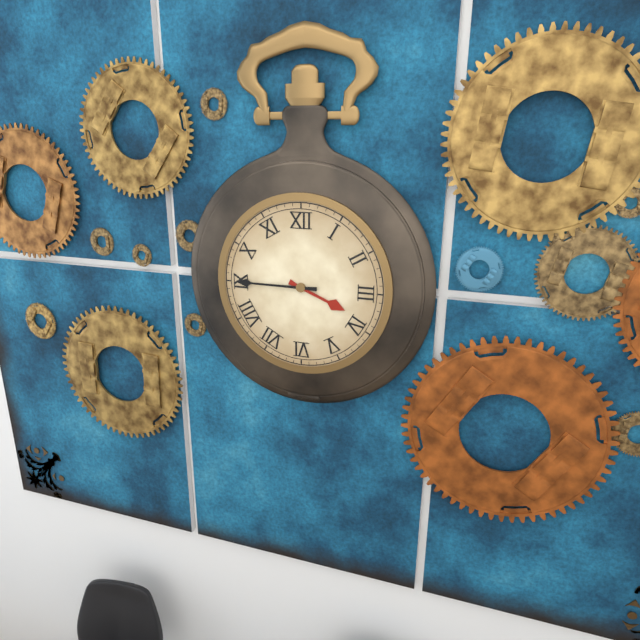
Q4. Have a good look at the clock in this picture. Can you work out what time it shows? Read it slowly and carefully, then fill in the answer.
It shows 3:45
